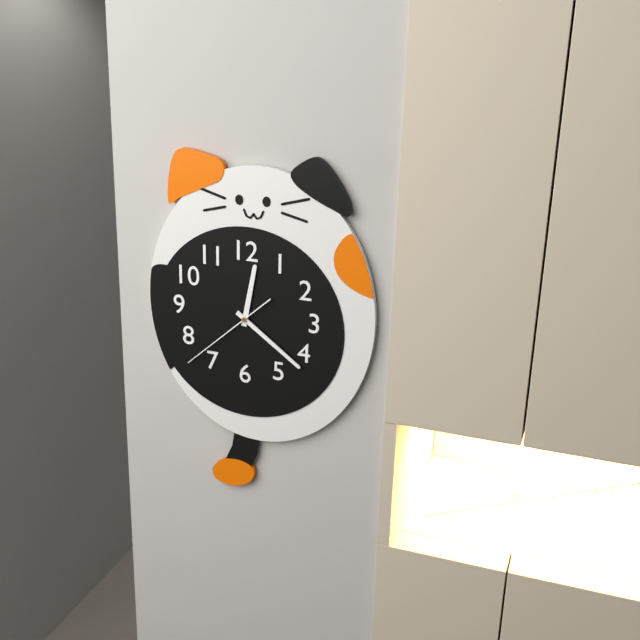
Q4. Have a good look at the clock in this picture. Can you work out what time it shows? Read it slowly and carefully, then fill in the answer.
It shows 12:21:38
